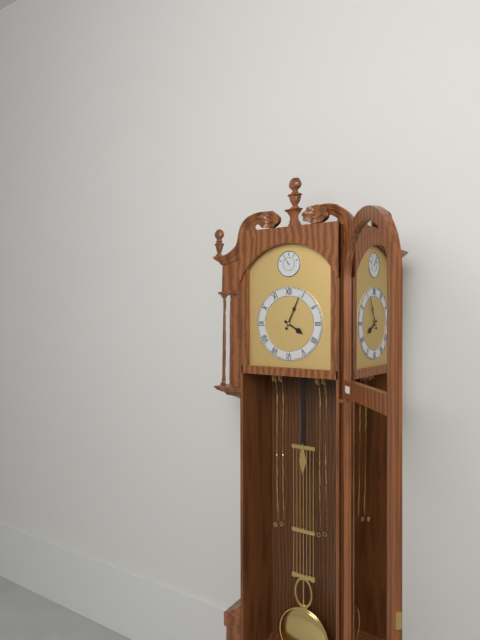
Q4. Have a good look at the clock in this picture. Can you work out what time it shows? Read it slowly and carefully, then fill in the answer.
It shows 4:04
